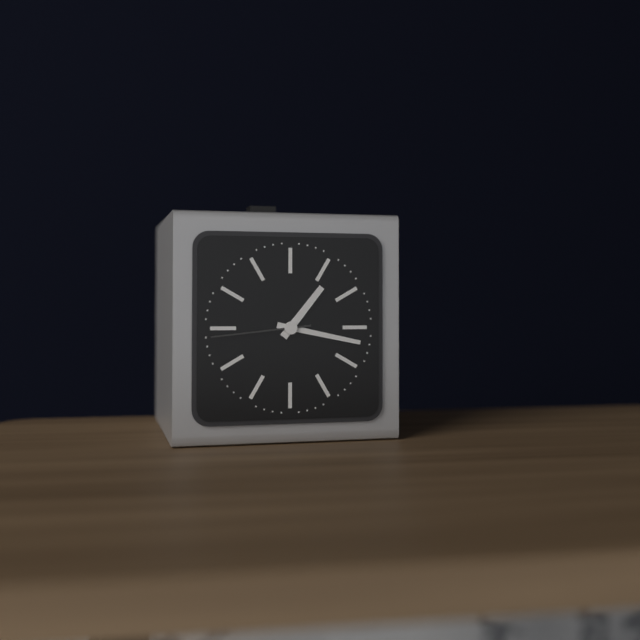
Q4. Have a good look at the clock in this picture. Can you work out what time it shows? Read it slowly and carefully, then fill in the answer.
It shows 1:17:44
